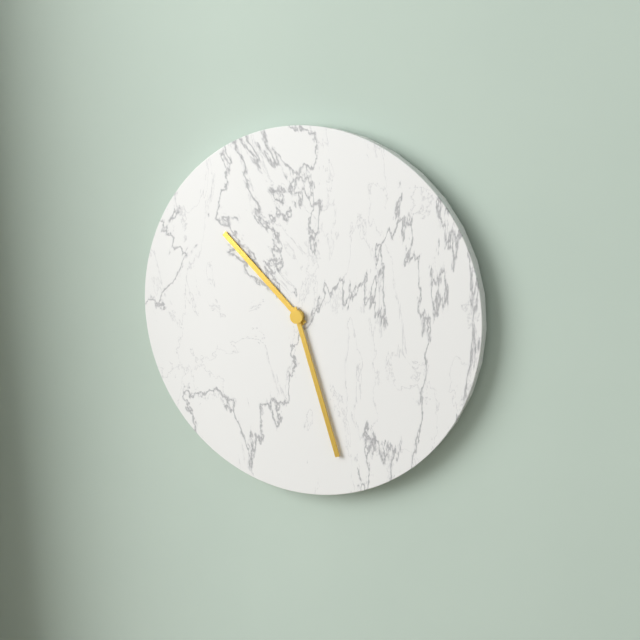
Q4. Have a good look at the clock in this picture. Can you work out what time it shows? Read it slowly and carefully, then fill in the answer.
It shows 10:27
